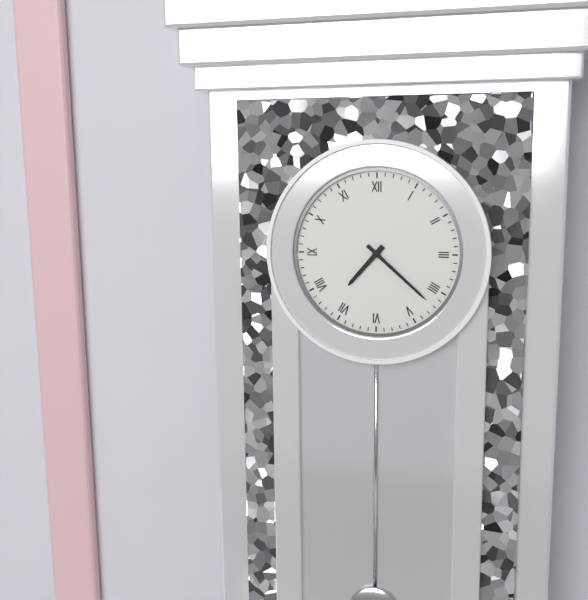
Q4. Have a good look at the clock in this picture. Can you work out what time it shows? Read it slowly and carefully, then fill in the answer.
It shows 7:22
